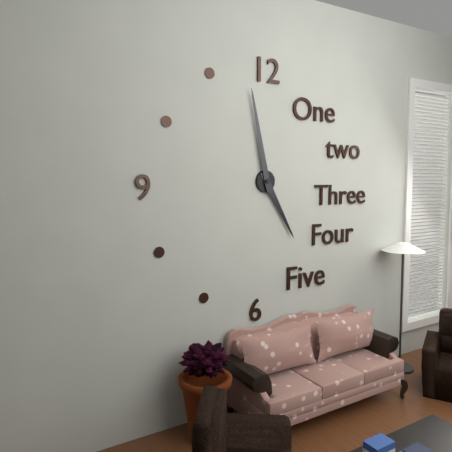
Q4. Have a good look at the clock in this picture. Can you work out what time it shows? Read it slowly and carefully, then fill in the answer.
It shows 4:58
